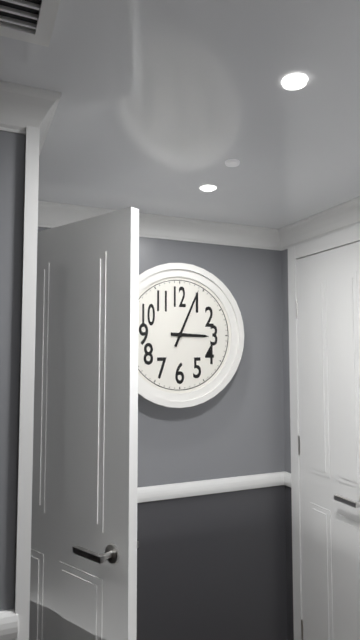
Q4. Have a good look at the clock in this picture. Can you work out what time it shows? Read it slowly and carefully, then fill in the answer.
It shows 3:04
